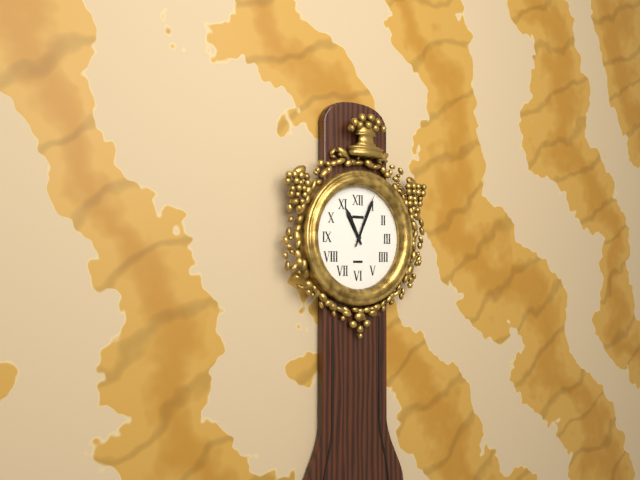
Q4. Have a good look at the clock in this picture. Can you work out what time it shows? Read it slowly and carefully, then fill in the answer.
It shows 11:04
